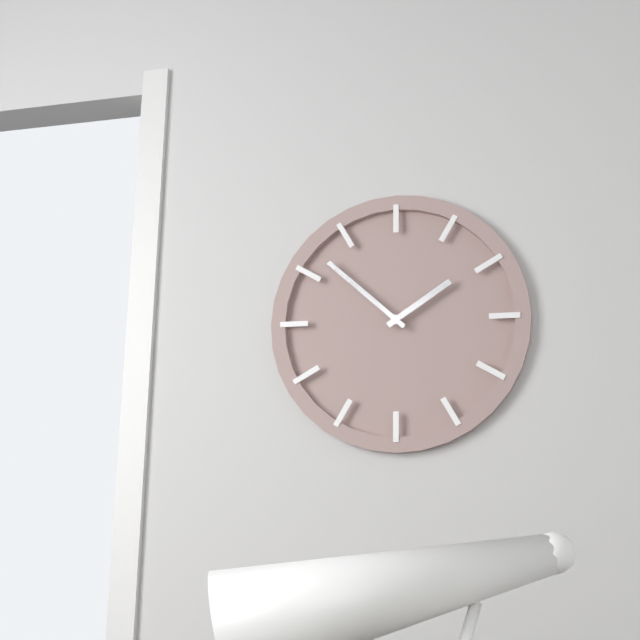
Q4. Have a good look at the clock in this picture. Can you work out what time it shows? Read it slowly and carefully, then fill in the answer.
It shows 1:52
